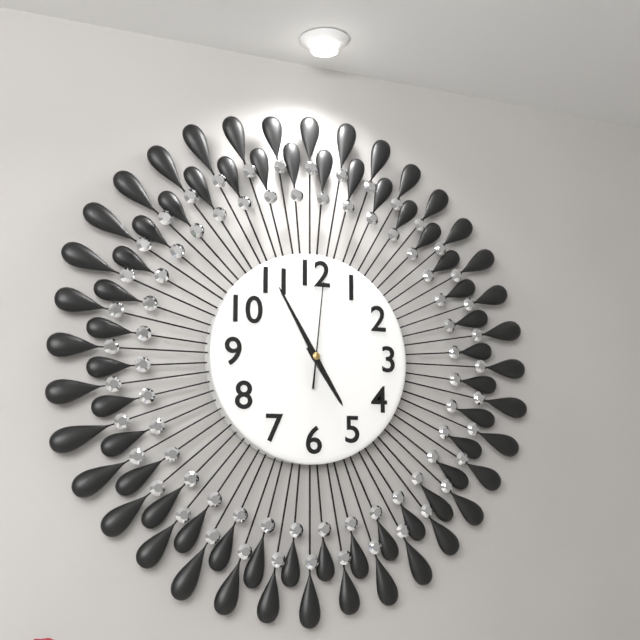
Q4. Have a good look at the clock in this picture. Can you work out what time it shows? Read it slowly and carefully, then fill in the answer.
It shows 4:55:01
